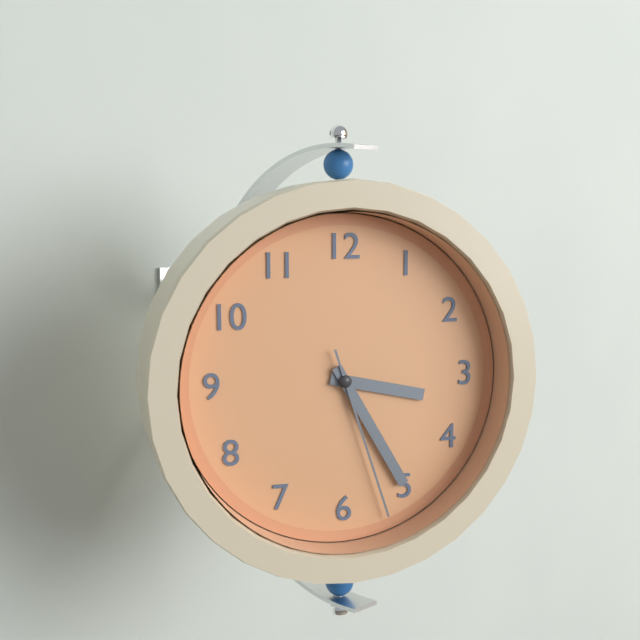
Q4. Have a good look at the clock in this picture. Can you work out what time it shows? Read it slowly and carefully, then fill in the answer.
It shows 3:25:27
